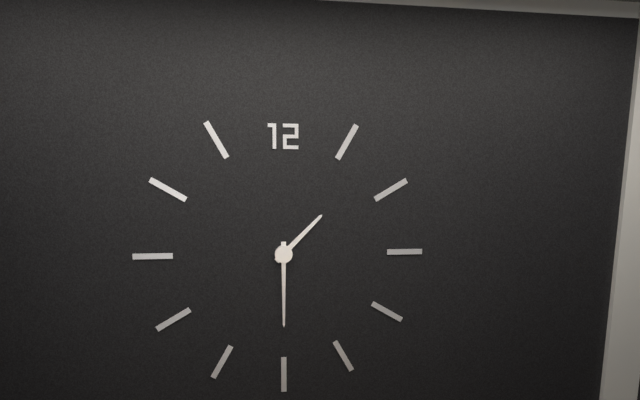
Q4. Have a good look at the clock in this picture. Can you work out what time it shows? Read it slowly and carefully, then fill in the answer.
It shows 1:30
